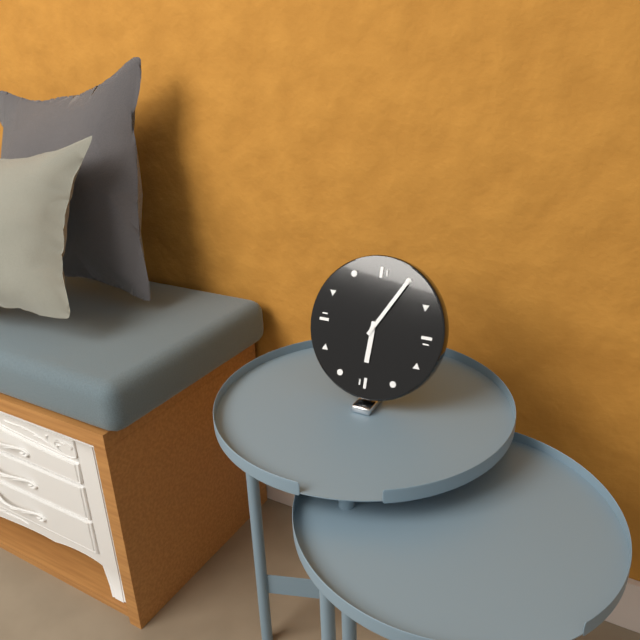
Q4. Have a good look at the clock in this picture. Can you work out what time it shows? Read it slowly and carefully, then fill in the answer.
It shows 6:05
